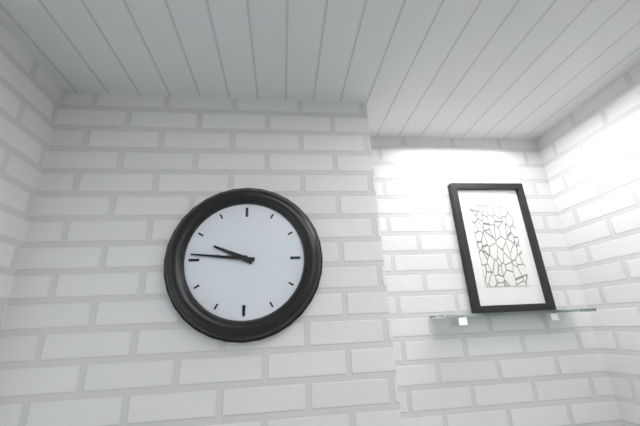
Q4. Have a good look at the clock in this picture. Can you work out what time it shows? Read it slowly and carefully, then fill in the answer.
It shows 9:46
